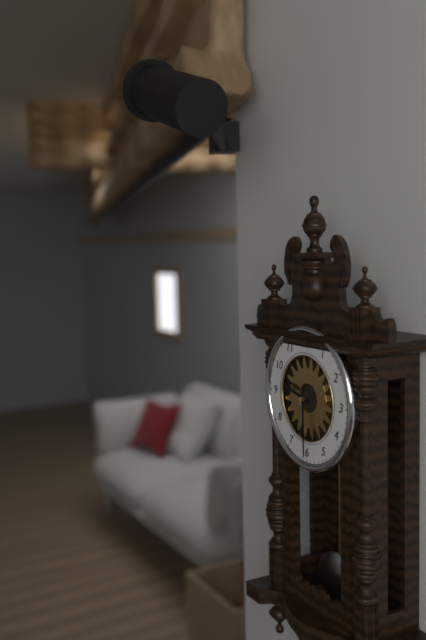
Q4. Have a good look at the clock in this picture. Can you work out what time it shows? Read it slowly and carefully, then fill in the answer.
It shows 9:30
